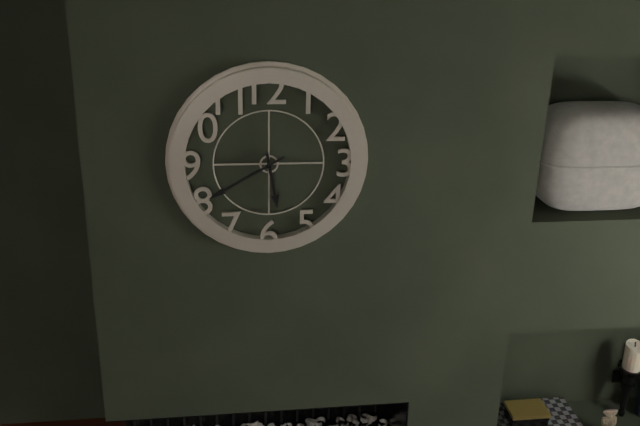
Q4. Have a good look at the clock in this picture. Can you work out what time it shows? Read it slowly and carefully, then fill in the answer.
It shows 5:40
